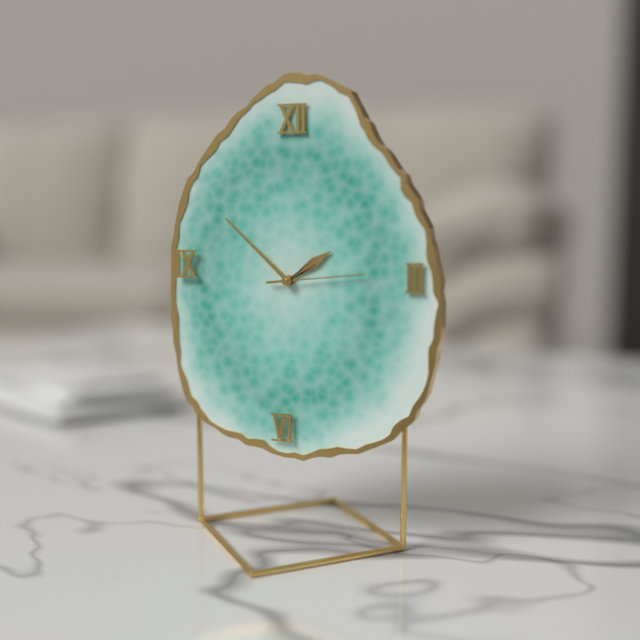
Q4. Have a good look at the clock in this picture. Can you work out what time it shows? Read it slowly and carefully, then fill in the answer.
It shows 1:52:14
